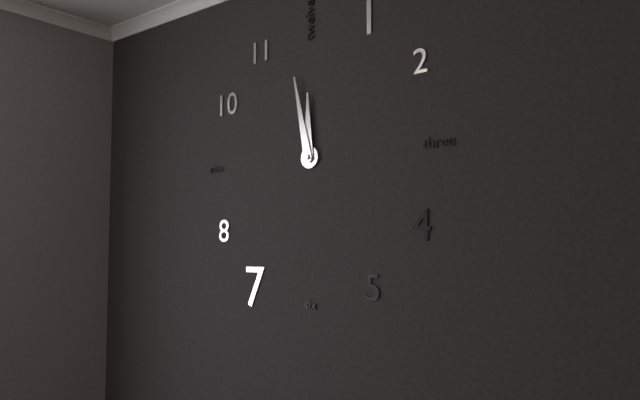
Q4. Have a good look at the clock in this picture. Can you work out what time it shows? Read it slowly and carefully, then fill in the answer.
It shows 11:58
